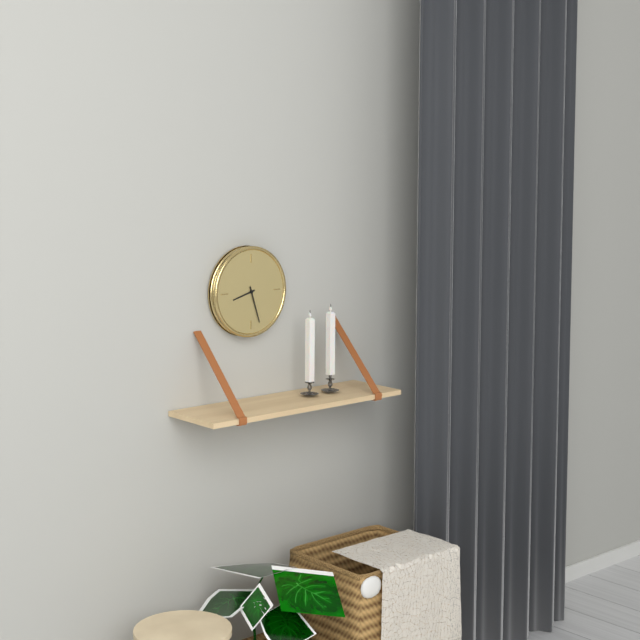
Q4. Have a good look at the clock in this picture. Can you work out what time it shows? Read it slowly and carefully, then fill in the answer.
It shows 8:27
